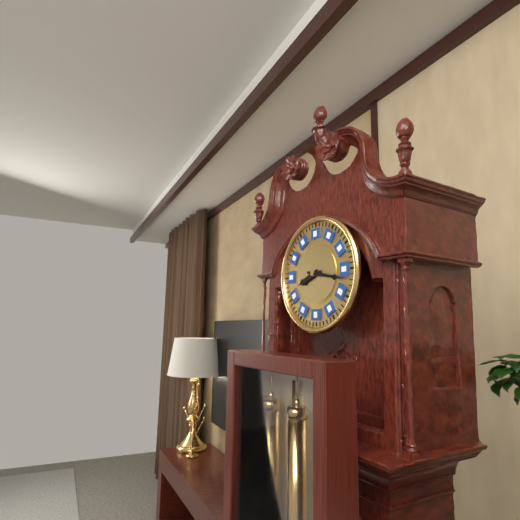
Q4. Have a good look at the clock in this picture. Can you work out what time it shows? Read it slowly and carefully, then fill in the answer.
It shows 8:17
